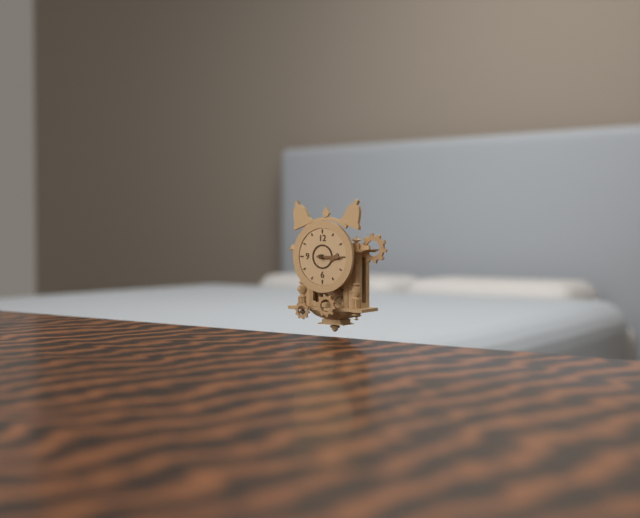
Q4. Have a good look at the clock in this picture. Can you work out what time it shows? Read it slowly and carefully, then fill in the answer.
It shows 3:15
